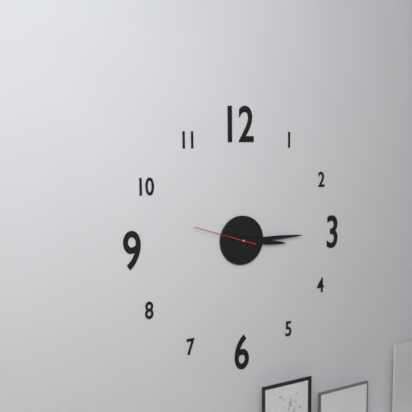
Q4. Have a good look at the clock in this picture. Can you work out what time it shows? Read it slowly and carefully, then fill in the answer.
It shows 3:15:48
